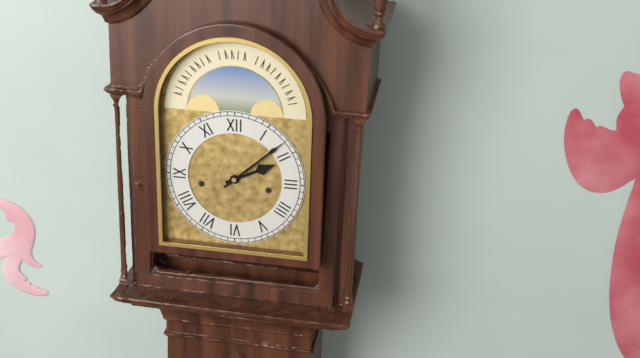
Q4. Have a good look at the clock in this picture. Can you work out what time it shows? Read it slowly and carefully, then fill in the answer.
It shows 2:08
